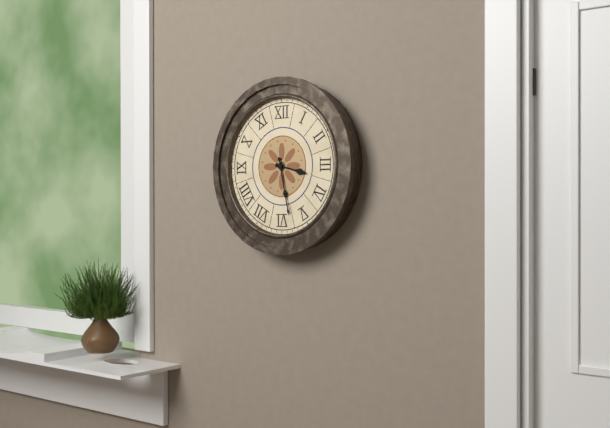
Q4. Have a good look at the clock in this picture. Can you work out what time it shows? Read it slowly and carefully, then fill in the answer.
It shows 3:28
